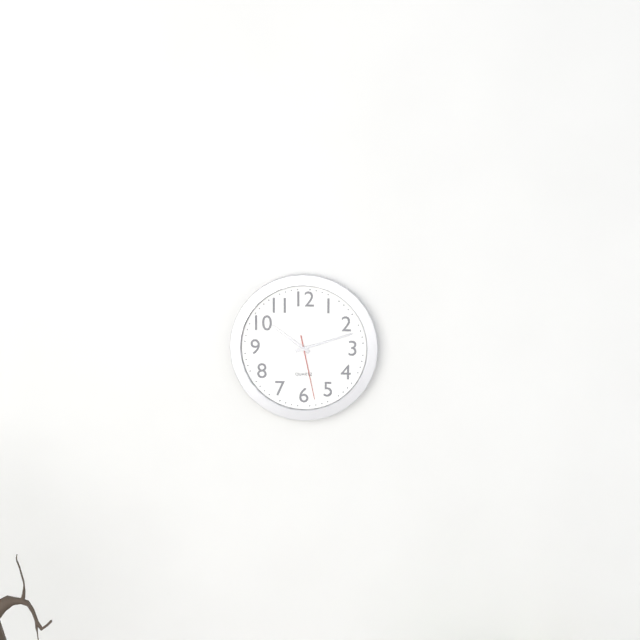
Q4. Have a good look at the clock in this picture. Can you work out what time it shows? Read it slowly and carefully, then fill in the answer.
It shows 10:12:28
